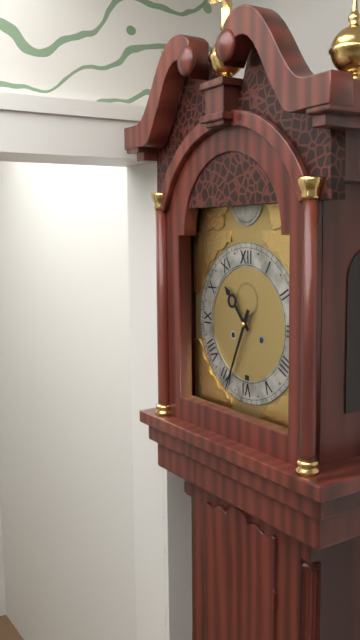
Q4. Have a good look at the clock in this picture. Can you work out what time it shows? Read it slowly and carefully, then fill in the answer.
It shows 10:34
